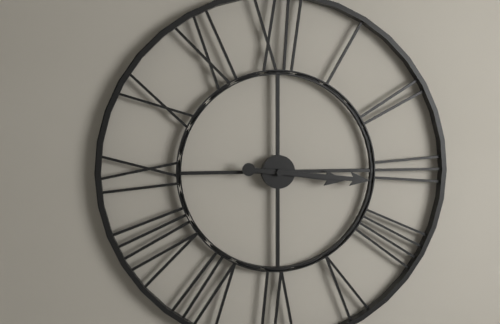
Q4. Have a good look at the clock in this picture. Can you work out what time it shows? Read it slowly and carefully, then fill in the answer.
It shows 3:16
